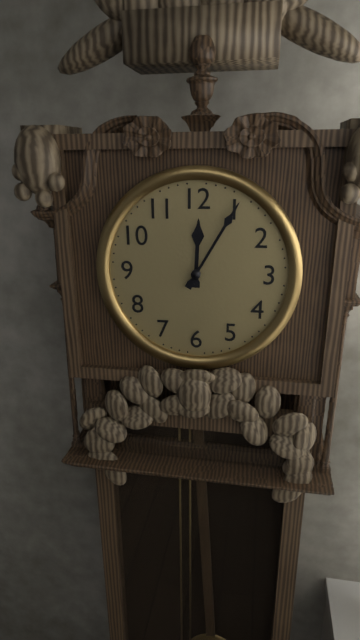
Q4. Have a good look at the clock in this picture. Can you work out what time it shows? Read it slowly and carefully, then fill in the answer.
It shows 12:05
